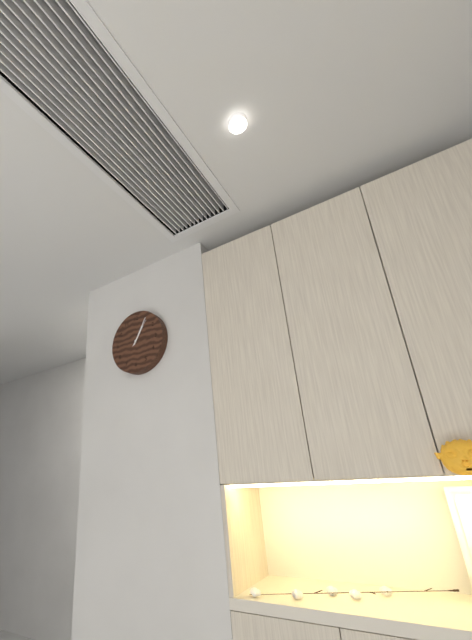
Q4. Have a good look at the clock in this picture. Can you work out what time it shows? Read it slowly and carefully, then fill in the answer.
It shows 1:05
